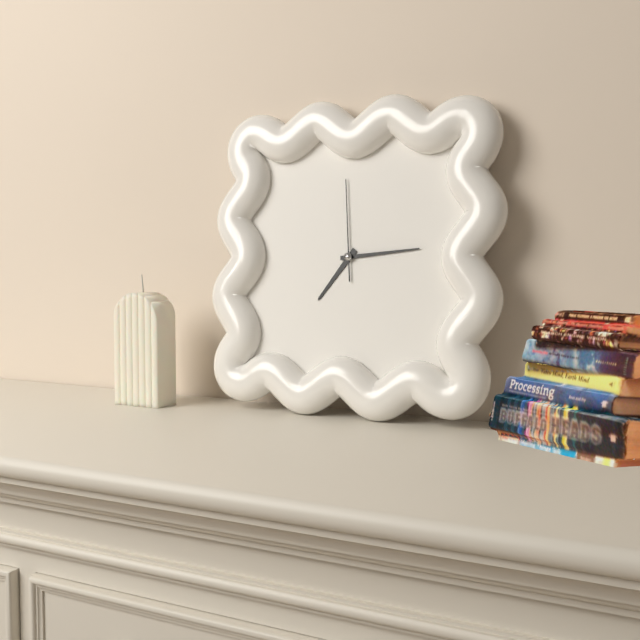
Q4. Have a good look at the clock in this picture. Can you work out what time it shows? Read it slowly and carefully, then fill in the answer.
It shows 7:14:59
